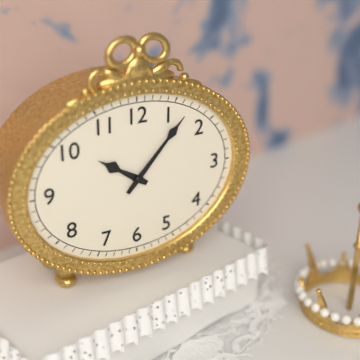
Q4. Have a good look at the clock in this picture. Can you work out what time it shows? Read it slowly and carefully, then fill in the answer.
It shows 10:07
